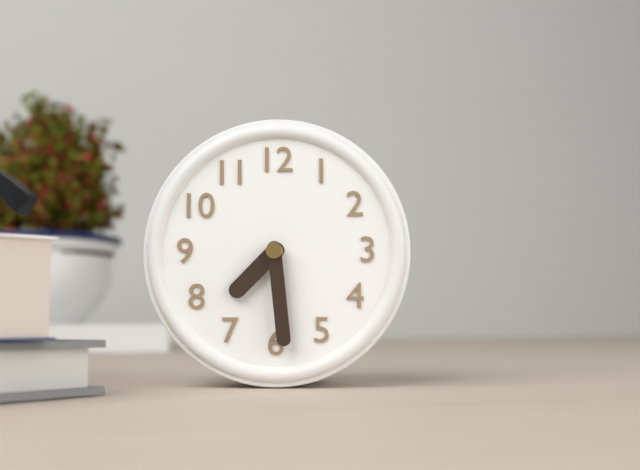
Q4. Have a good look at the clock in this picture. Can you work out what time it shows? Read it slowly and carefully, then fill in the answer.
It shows 7:29
